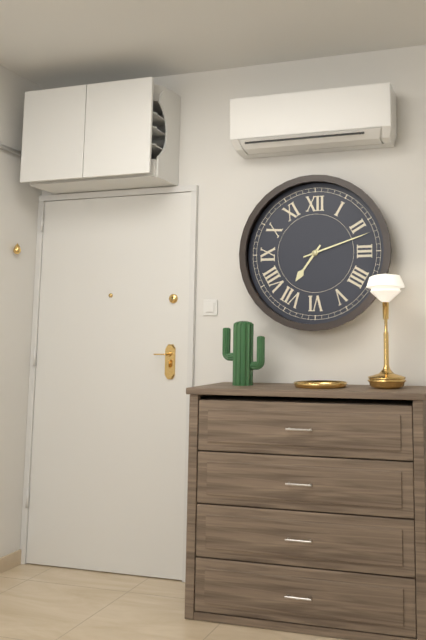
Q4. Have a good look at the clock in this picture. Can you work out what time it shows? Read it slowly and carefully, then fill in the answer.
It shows 7:12
